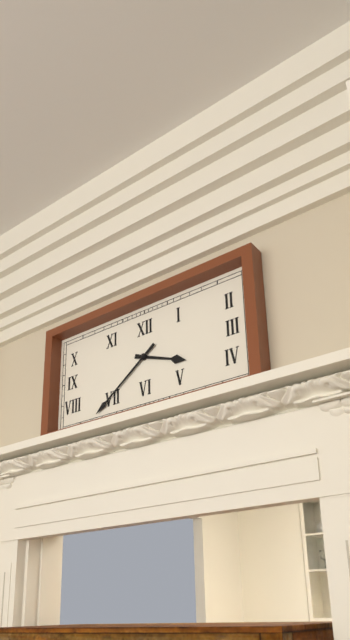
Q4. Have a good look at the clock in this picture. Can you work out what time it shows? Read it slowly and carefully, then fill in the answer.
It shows 3:39
